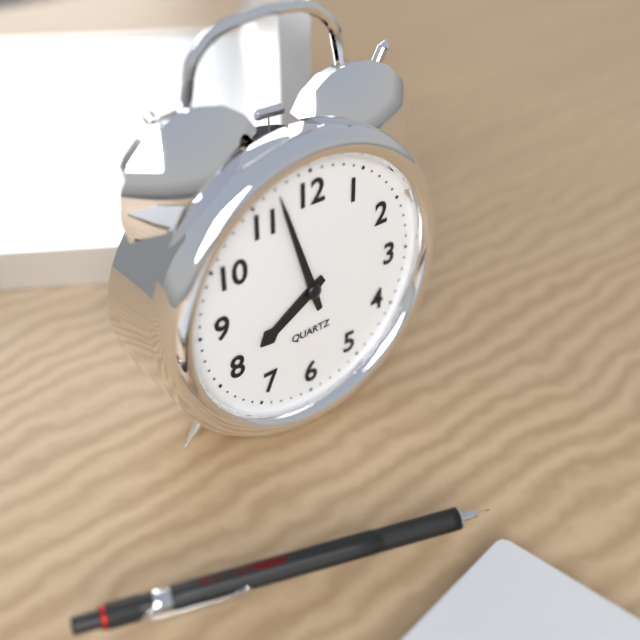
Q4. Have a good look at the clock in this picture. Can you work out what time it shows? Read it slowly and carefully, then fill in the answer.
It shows 7:57
